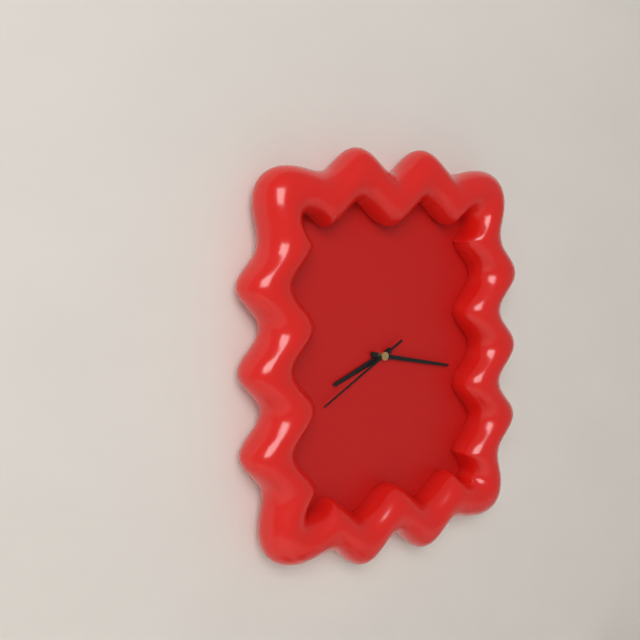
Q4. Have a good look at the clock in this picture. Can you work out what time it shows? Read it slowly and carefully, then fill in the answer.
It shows 8:17:40
